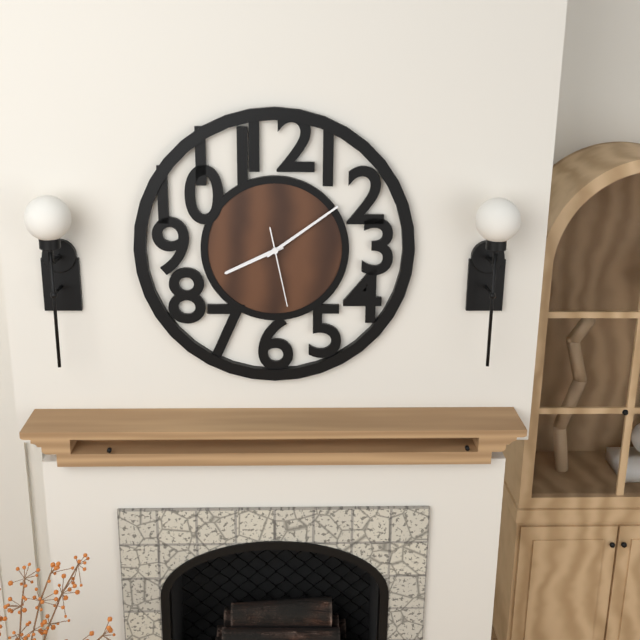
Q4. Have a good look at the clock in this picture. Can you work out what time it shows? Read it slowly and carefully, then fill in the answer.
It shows 8:09:28
